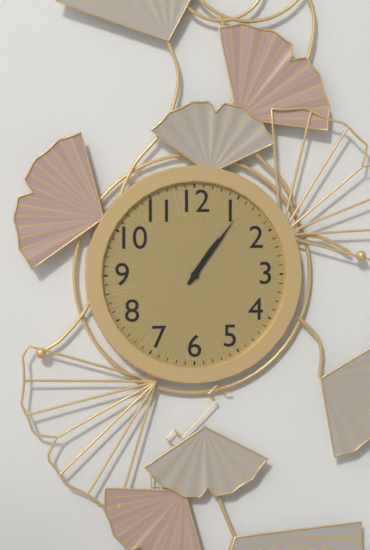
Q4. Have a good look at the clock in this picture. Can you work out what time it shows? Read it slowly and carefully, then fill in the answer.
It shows 1:06
